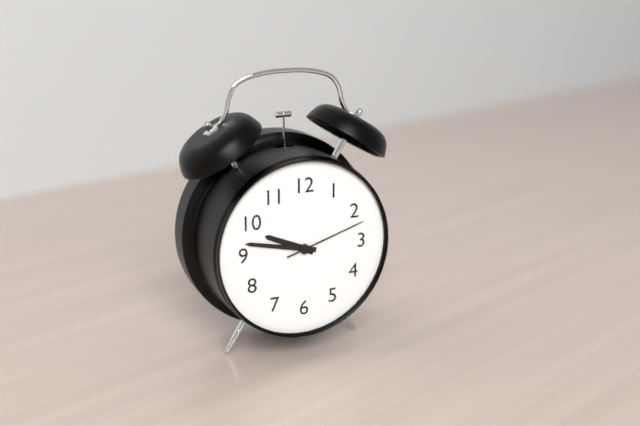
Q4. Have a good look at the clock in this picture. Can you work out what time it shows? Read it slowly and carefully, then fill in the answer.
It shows 9:47:12
